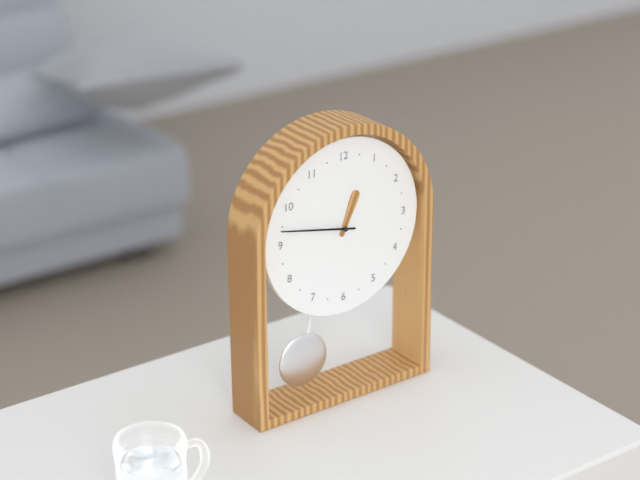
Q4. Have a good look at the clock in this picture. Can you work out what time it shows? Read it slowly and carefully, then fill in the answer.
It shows 12:47
